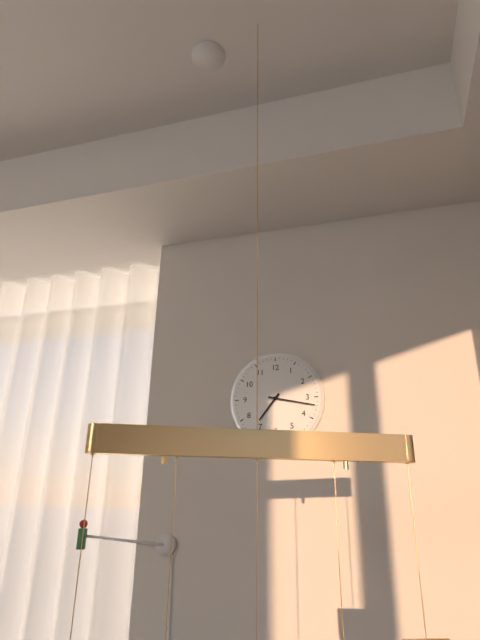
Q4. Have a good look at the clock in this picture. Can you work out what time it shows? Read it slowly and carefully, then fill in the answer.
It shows 7:17
